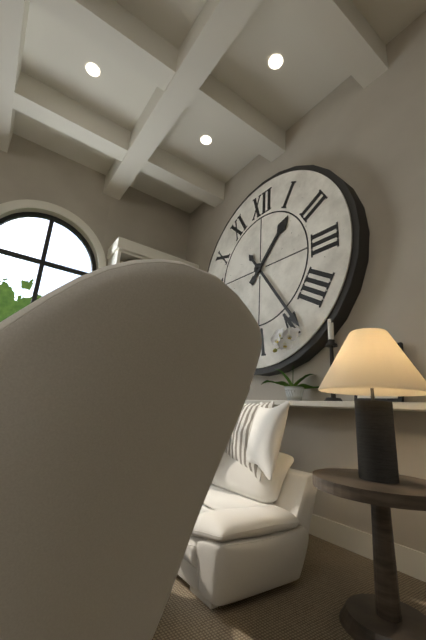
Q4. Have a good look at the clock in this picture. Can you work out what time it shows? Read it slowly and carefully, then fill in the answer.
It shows 1:24
